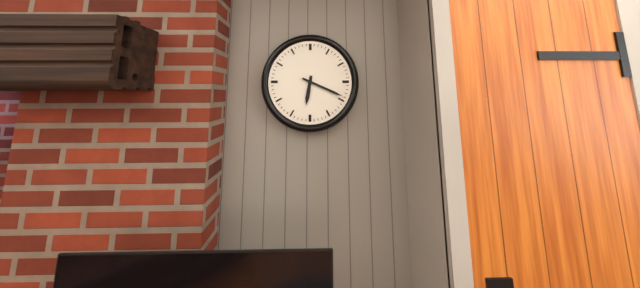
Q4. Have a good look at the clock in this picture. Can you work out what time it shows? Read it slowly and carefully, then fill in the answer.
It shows 6:19
